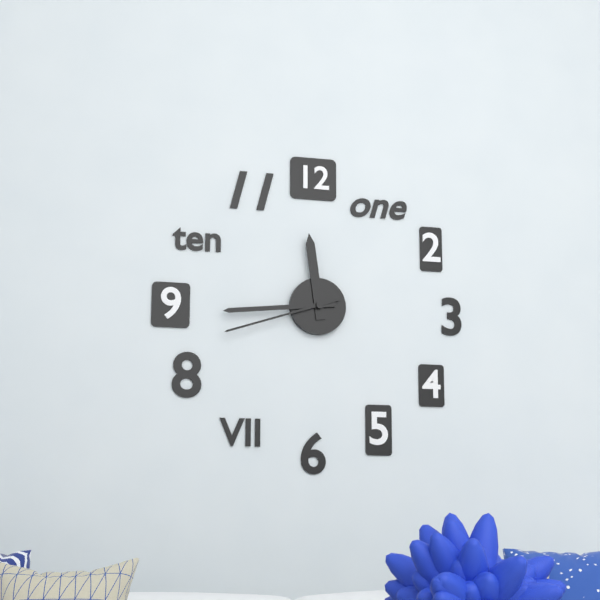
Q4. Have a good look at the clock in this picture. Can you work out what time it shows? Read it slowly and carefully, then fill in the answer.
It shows 11:44:42
